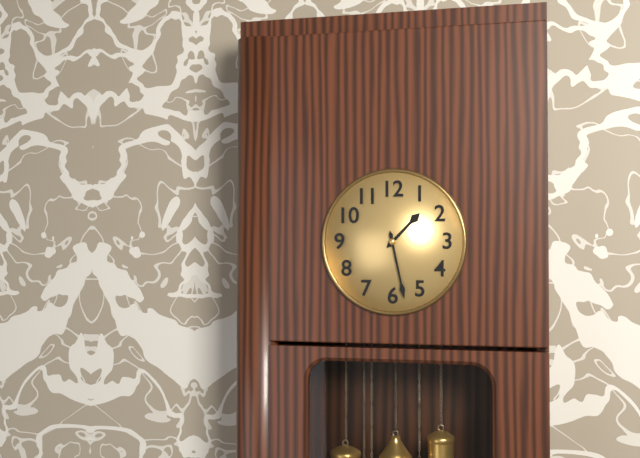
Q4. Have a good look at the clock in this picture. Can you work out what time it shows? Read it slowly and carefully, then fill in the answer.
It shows 1:28
